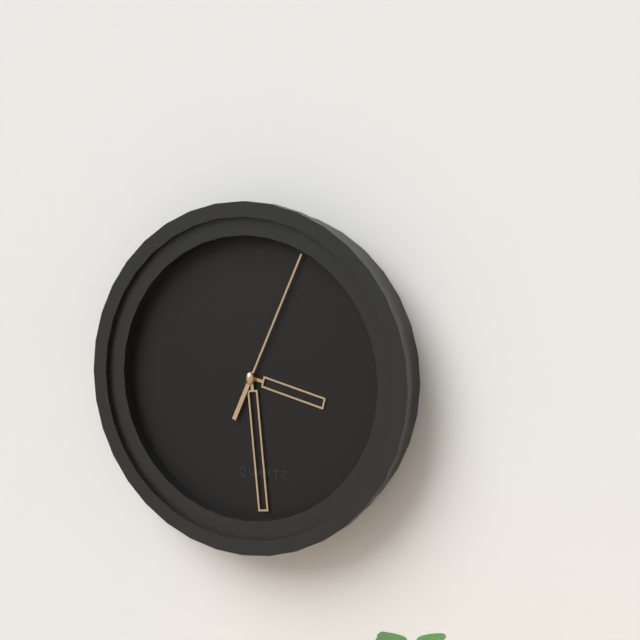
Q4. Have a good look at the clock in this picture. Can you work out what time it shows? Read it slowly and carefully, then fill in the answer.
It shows 3:29:04
